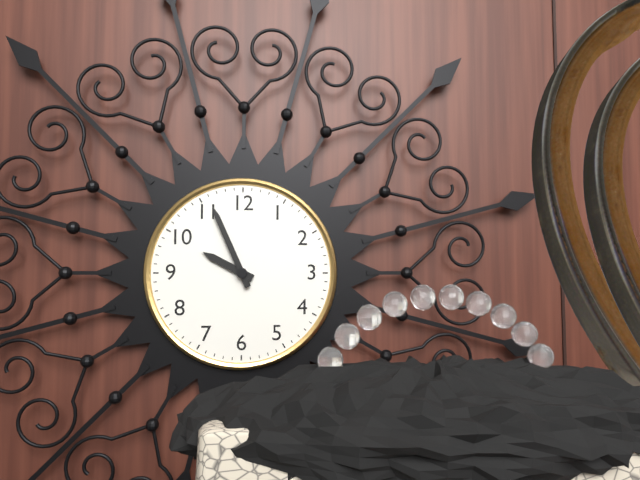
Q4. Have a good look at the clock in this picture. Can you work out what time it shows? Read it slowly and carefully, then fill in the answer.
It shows 9:56
